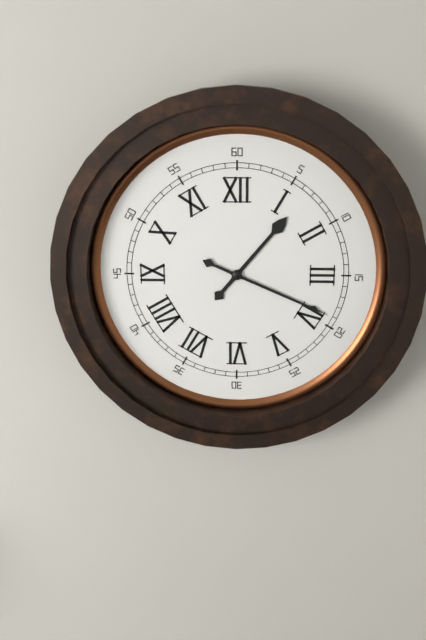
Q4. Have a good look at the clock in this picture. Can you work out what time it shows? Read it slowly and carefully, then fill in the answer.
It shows 1:19
